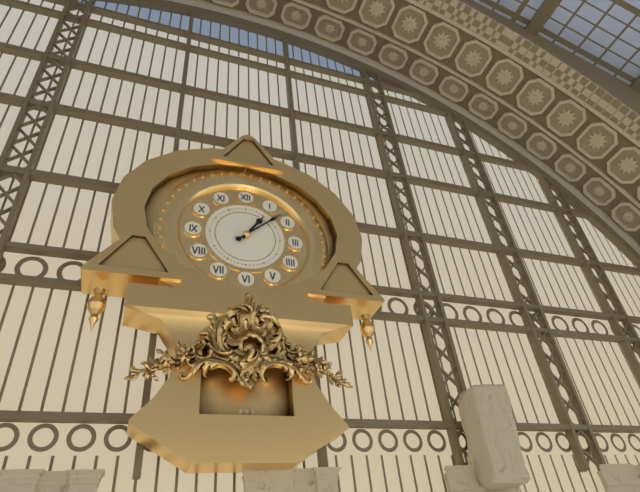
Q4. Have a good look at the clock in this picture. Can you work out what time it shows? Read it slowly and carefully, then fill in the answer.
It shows 1:08
